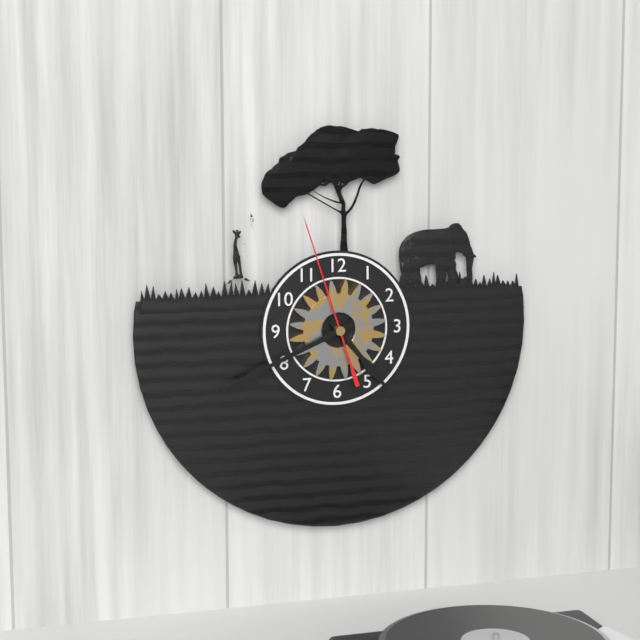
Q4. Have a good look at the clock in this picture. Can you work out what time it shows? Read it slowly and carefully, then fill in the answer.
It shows 4:41:57
